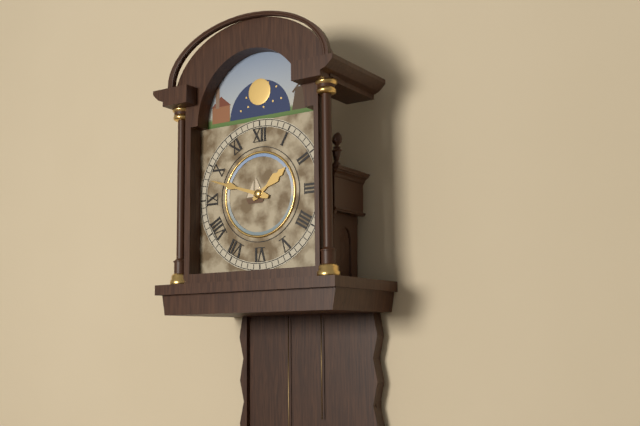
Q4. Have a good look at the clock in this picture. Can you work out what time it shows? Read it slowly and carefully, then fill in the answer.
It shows 1:48
